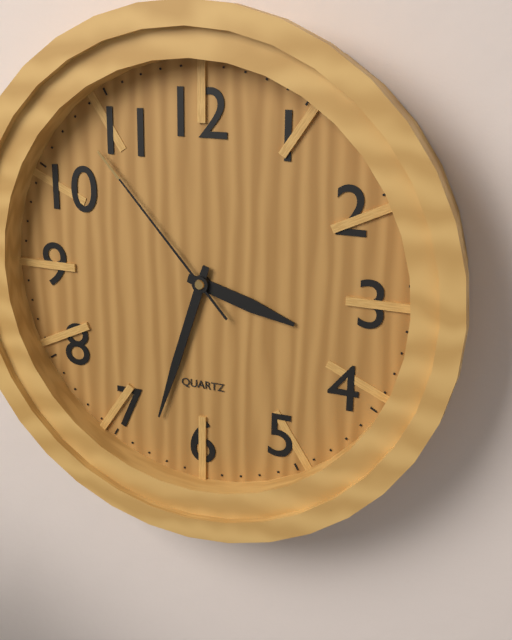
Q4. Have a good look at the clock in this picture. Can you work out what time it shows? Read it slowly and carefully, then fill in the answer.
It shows 3:33:53
